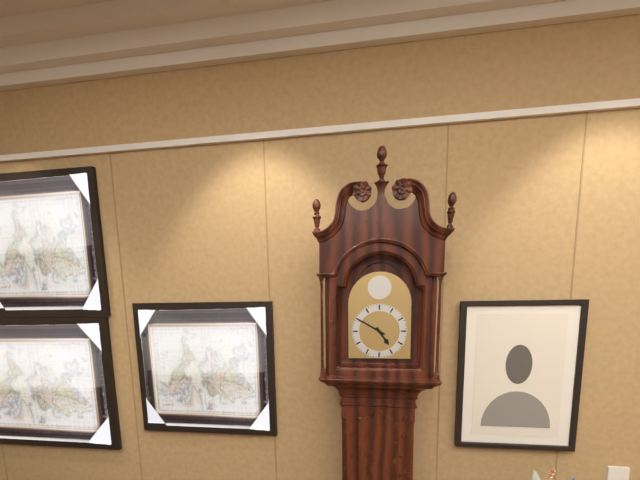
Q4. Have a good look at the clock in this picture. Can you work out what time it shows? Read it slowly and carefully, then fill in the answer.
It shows 4:50
